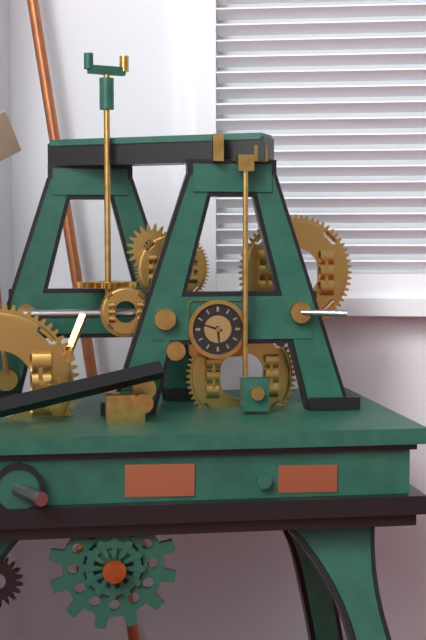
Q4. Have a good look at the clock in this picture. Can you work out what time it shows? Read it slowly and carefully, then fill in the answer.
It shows 5:48
